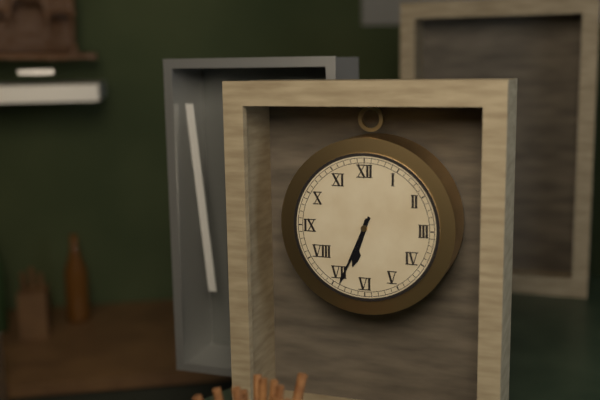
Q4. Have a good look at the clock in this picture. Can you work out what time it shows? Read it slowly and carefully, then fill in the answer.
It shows 6:34
